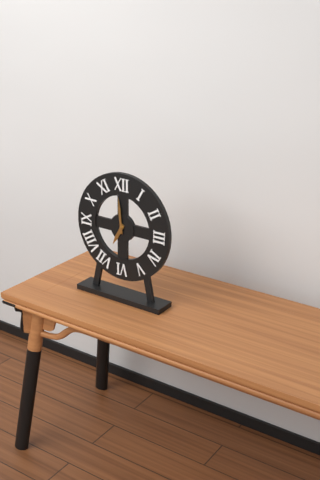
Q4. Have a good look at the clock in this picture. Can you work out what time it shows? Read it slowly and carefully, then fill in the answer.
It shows 6:59
